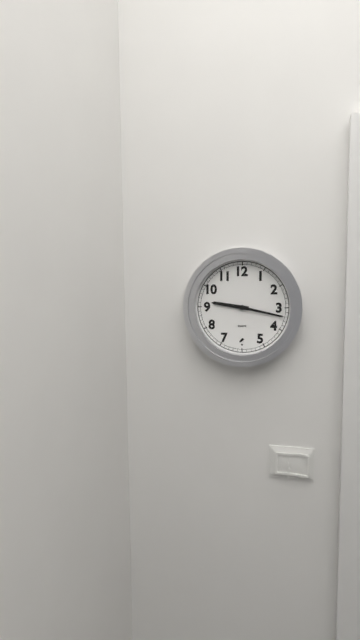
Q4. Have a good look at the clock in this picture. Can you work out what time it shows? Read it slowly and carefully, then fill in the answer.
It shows 9:17
